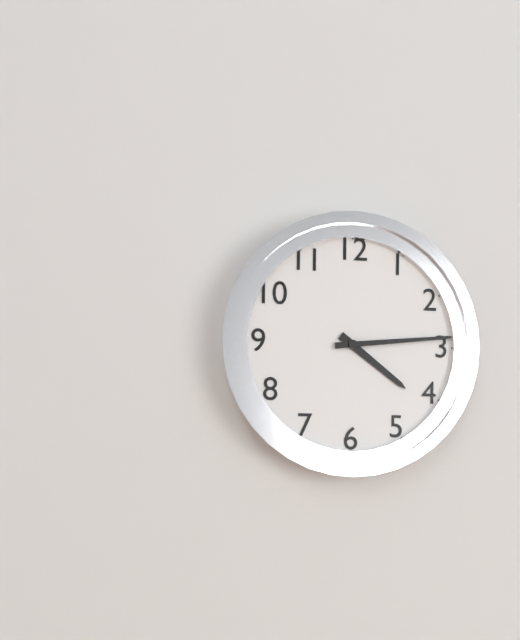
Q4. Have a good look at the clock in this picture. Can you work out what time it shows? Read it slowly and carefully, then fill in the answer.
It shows 4:14
